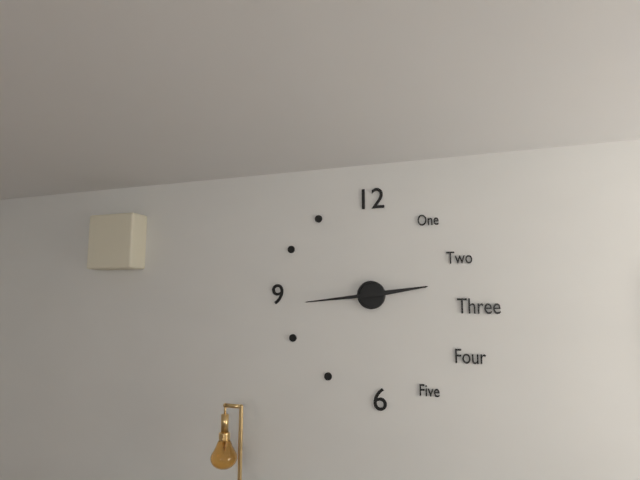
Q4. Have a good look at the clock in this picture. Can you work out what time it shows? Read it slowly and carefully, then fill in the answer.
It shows 2:44
